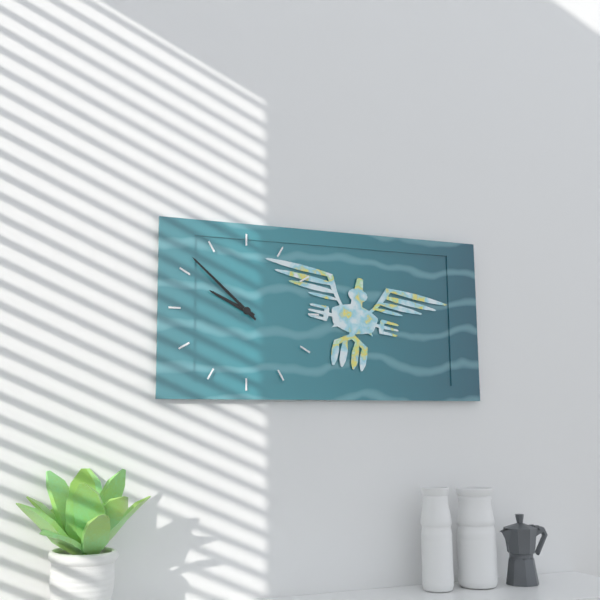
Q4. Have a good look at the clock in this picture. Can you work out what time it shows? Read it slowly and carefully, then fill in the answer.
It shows 9:52
